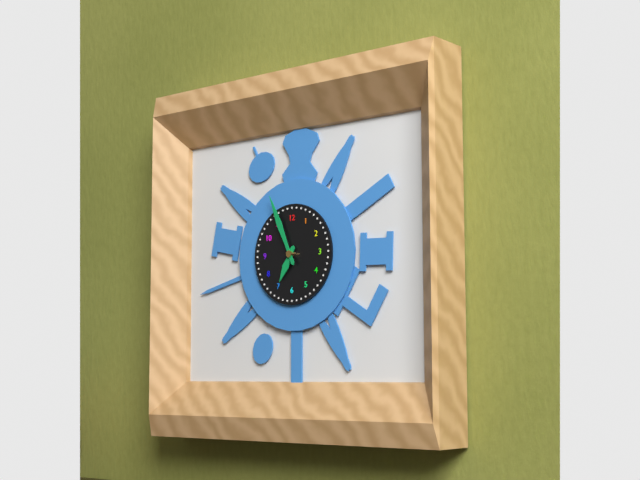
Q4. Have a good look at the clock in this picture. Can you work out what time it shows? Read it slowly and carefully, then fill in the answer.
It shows 6:56
